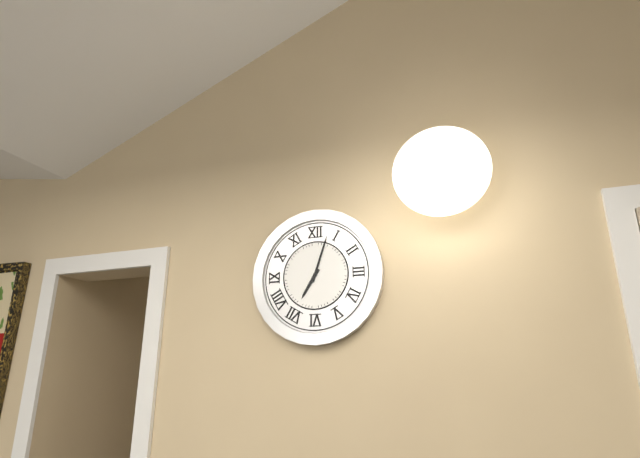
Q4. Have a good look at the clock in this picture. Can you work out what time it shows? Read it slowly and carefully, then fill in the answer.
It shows 7:03
